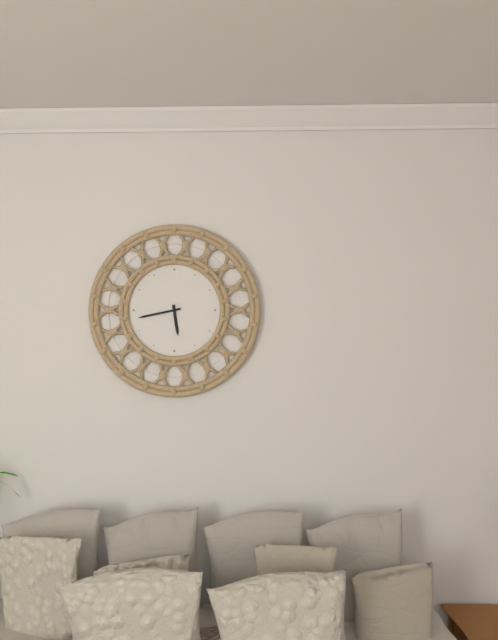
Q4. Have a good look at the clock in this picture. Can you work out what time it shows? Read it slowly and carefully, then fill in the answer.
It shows 5:43
